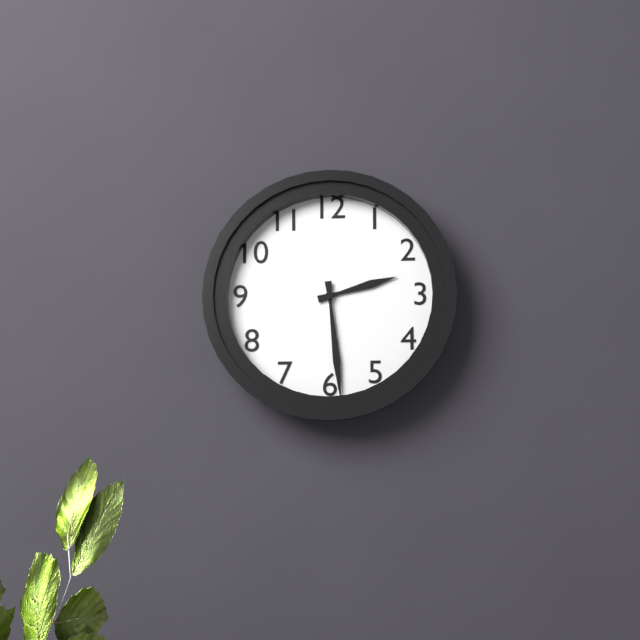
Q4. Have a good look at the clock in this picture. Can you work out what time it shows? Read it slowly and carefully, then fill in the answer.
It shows 2:29
